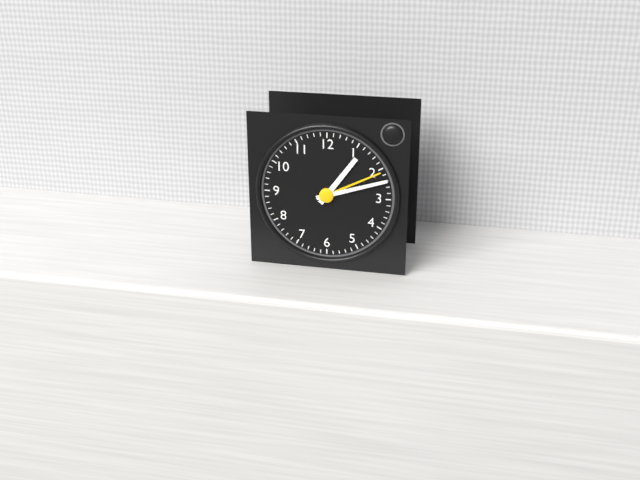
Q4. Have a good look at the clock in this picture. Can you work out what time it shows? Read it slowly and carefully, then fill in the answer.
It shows 1:12
